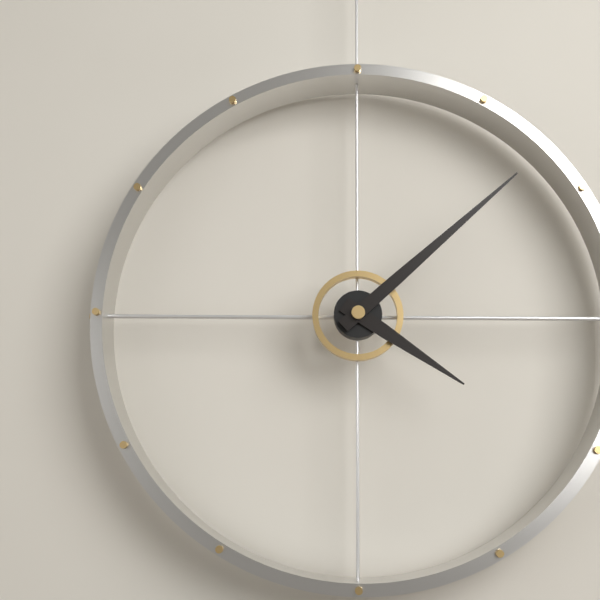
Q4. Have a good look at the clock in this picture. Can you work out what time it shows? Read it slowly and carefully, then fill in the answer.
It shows 4:08
